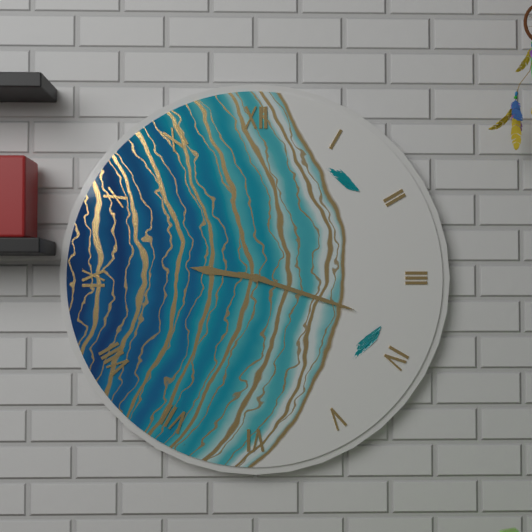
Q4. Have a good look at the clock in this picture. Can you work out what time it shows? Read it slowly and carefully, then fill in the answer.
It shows 9:18
